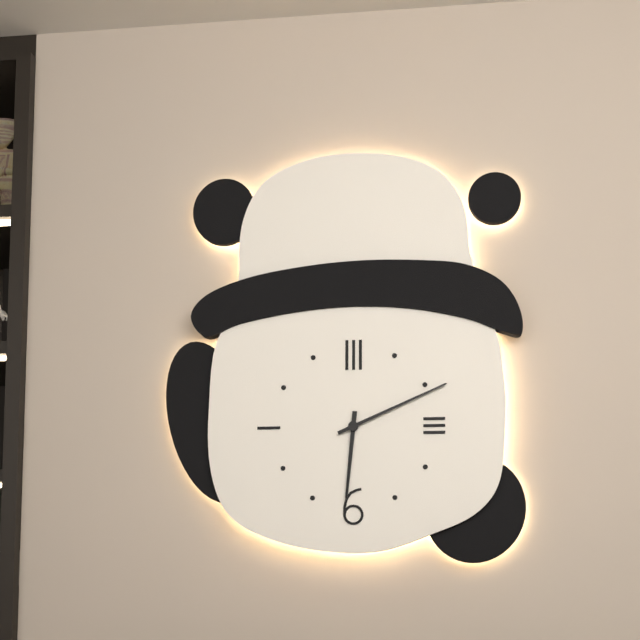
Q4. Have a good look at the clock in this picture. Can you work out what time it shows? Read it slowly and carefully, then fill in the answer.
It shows 6:11
